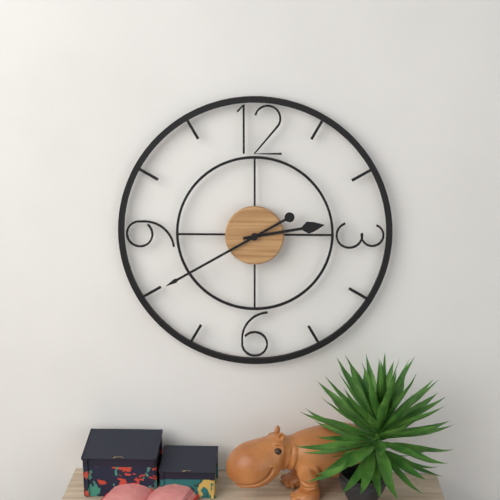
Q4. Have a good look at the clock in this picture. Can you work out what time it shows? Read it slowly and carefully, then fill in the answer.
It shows 2:40
